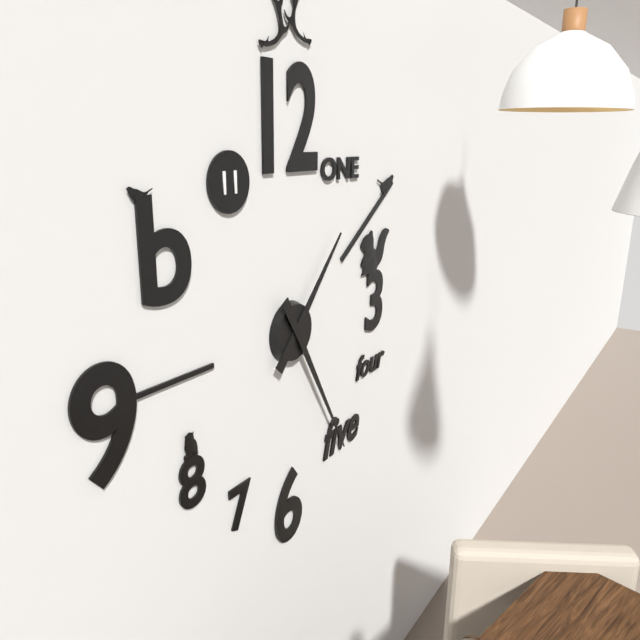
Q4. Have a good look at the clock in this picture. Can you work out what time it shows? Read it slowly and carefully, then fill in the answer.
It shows 1:25
